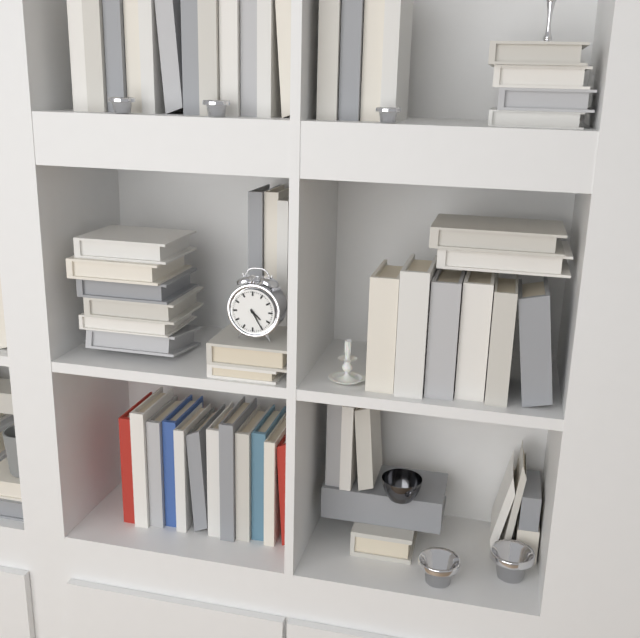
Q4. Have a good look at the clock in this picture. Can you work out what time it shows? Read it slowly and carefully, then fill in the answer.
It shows 4:25
